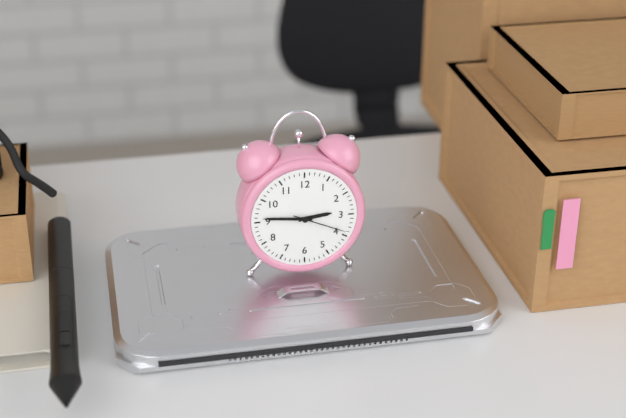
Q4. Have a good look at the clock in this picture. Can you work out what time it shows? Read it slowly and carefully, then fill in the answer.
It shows 2:46:19
